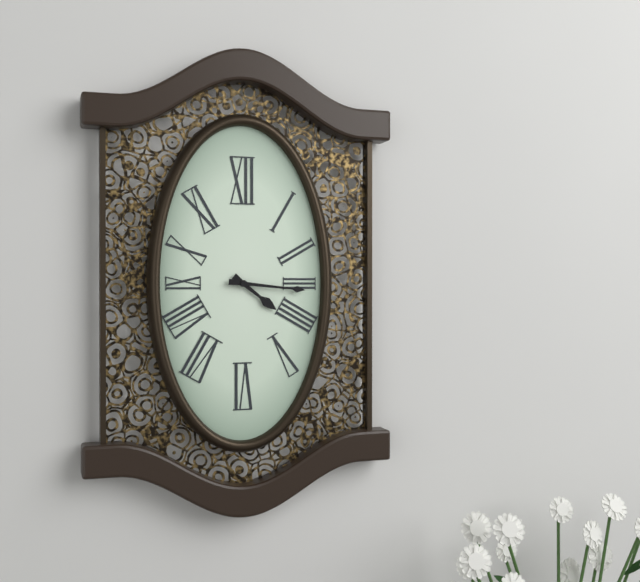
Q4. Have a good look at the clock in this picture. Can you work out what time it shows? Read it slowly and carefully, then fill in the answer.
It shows 4:16
